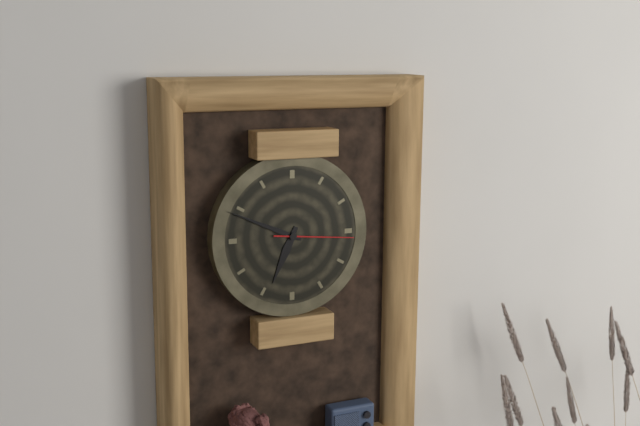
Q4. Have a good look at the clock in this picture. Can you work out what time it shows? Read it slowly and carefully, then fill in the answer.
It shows 6:49:16
